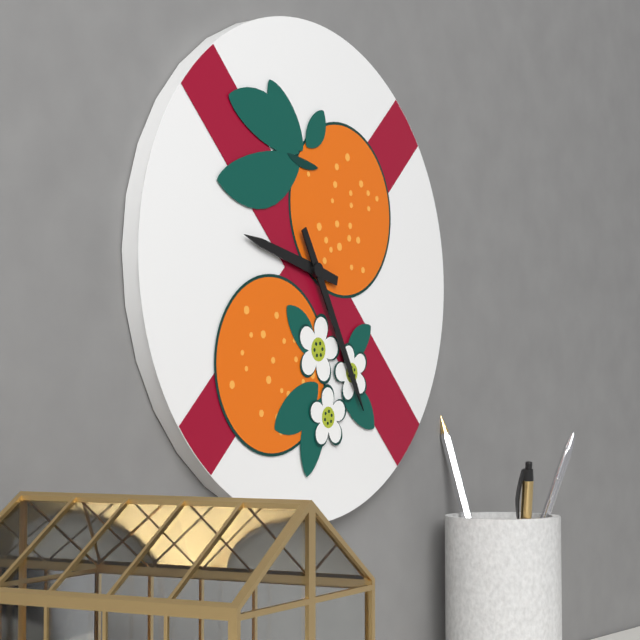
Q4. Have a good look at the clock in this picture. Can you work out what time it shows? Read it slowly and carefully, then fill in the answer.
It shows 9:25
